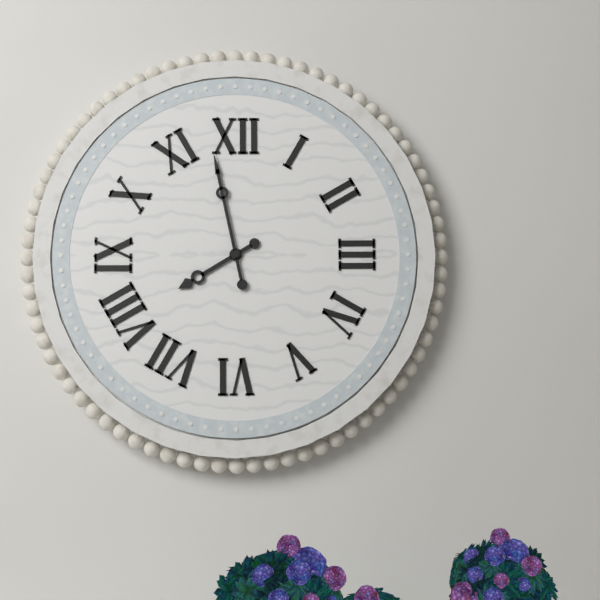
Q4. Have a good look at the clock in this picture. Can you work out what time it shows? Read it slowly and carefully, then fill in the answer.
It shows 7:58
